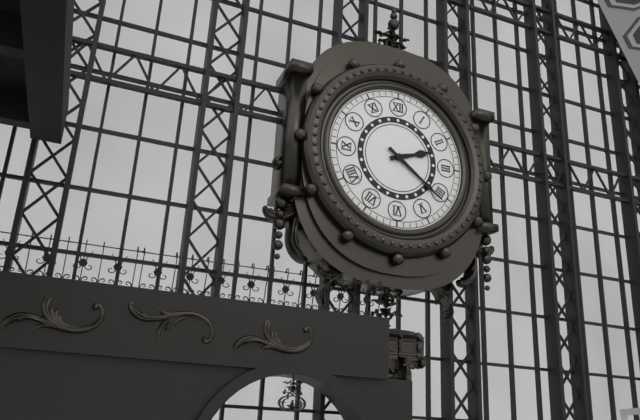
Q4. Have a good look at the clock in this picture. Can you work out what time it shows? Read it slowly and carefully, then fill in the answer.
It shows 2:21
